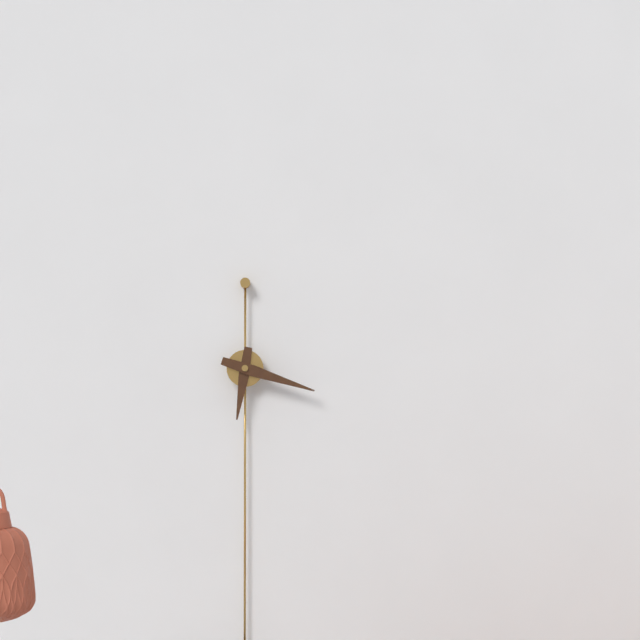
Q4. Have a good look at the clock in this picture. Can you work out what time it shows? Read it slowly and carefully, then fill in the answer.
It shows 6:18
